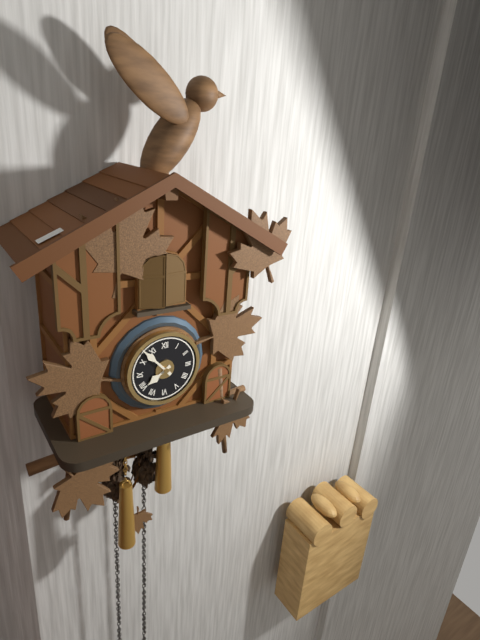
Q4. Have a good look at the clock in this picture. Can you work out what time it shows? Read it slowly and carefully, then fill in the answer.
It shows 7:53
